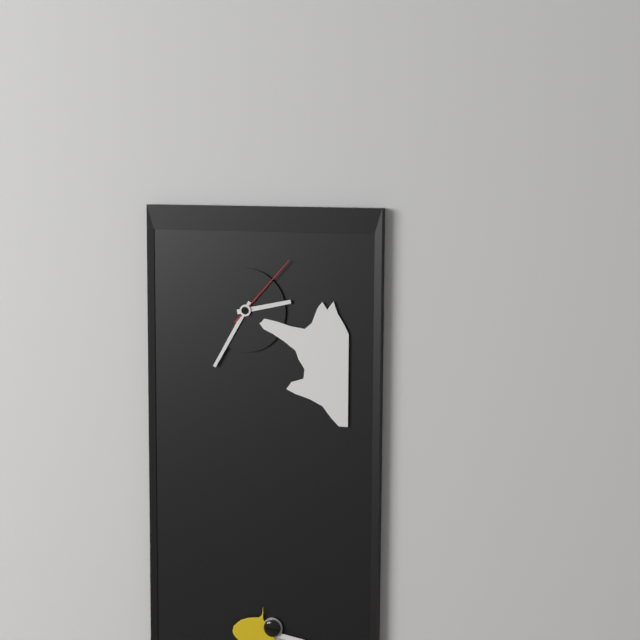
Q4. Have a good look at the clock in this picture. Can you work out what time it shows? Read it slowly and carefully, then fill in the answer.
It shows 2:35:07
